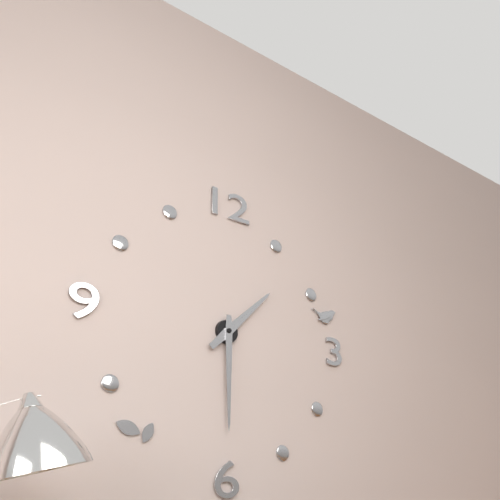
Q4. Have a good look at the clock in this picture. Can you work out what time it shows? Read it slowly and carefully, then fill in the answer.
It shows 1:30
